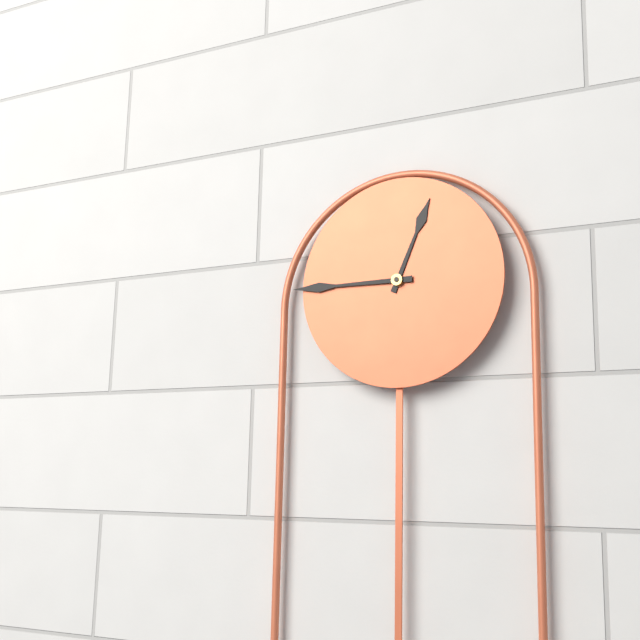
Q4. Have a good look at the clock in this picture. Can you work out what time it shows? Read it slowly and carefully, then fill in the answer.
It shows 12:45
